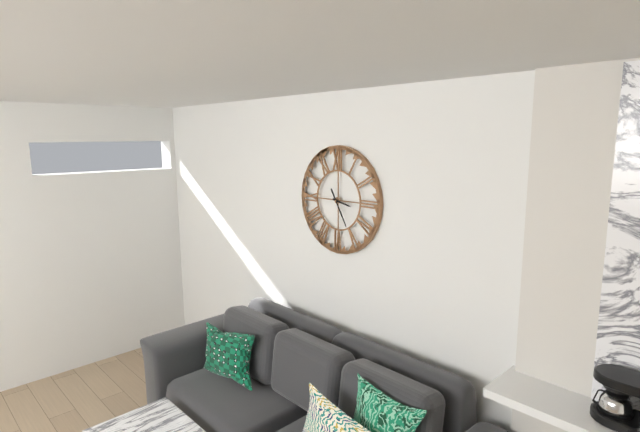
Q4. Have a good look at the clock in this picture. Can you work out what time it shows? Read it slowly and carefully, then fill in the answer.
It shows 3:25
